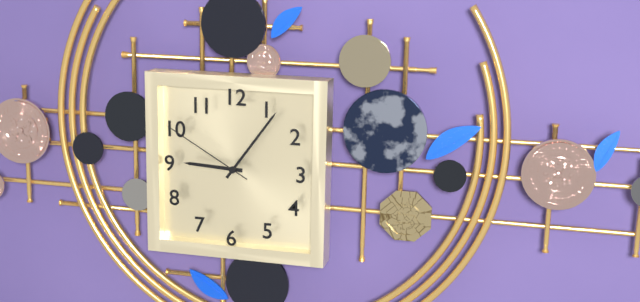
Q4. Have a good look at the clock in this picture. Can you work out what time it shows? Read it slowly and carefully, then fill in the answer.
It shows 9:06:50
